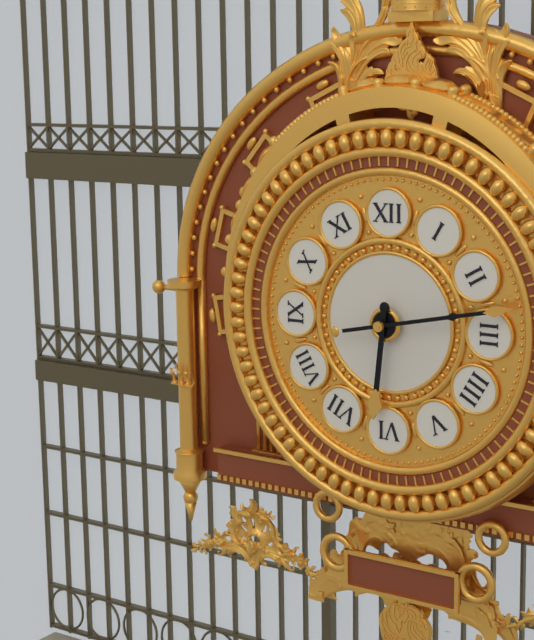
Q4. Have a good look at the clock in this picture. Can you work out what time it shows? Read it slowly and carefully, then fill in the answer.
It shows 6:13
